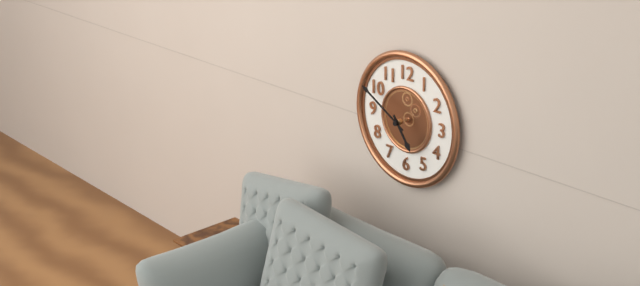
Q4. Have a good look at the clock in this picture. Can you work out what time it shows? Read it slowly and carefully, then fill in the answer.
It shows 4:50
